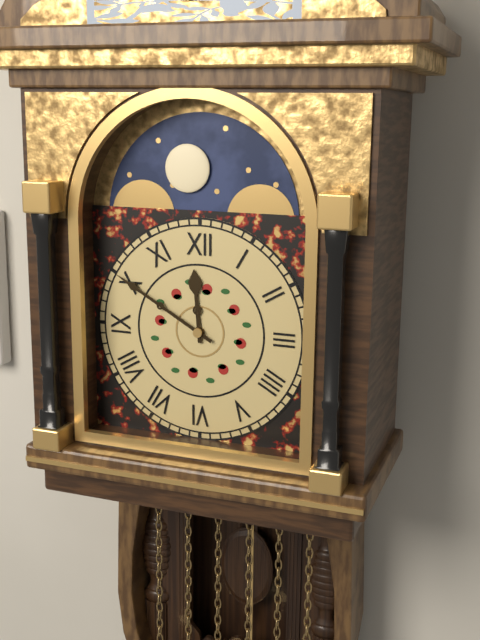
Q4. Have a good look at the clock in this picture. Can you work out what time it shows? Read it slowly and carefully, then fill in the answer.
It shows 11:50
